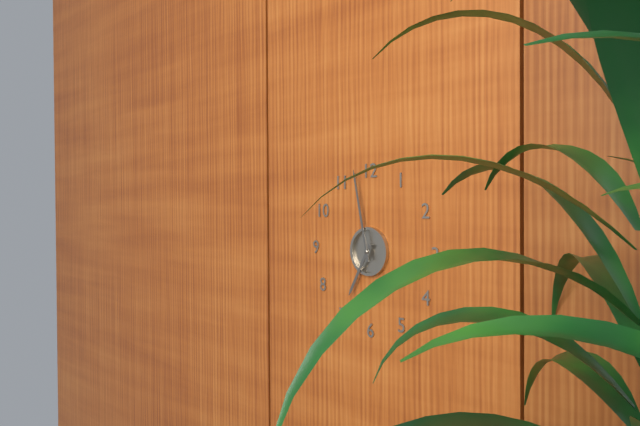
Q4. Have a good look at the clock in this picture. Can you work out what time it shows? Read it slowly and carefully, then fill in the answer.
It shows 6:58
